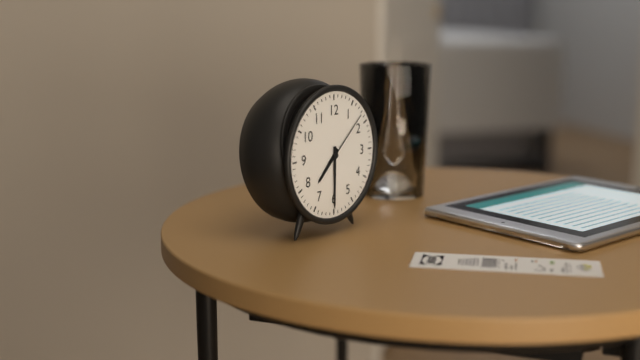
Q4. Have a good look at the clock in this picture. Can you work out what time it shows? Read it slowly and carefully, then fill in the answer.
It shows 7:30:08
